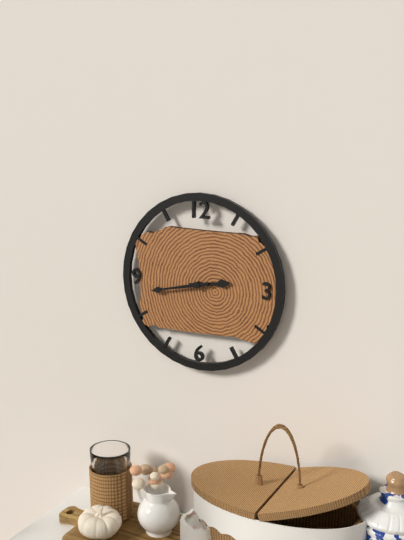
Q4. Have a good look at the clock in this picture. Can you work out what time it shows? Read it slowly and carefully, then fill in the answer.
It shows 2:43
